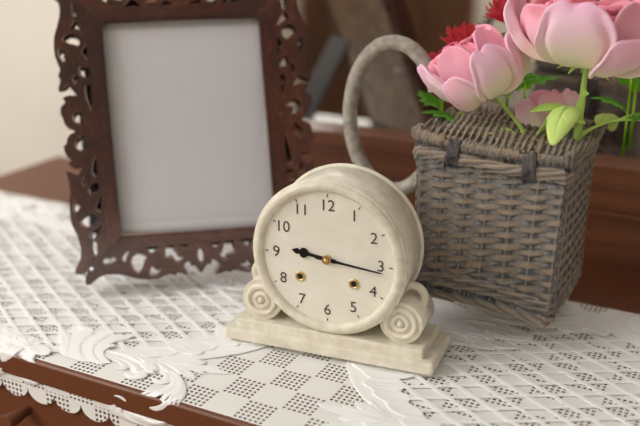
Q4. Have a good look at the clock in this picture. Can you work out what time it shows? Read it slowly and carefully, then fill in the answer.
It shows 9:16
